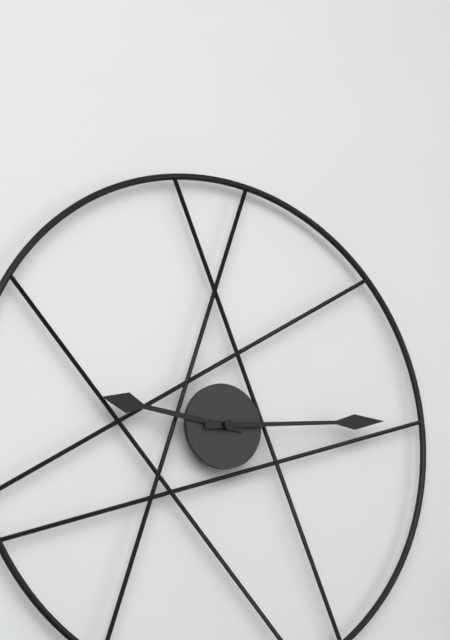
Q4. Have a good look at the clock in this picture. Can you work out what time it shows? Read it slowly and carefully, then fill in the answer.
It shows 9:14
